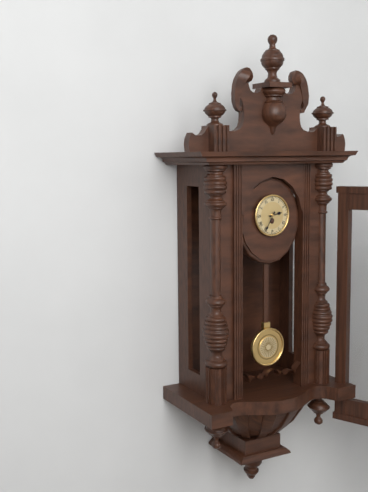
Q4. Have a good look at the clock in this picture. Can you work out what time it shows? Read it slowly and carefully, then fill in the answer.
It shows 2:35
